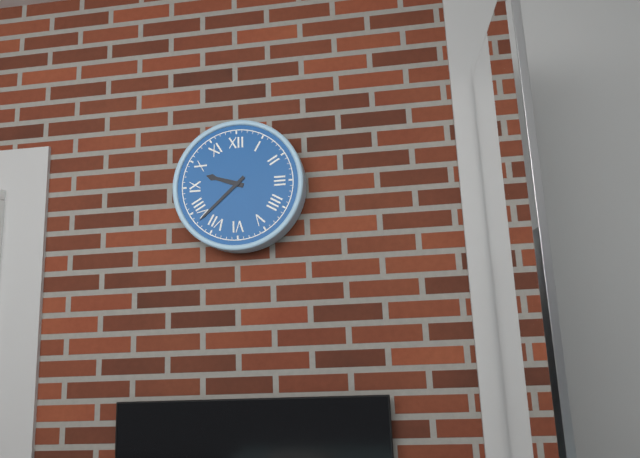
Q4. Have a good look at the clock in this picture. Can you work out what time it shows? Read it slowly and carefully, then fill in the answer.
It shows 9:38
